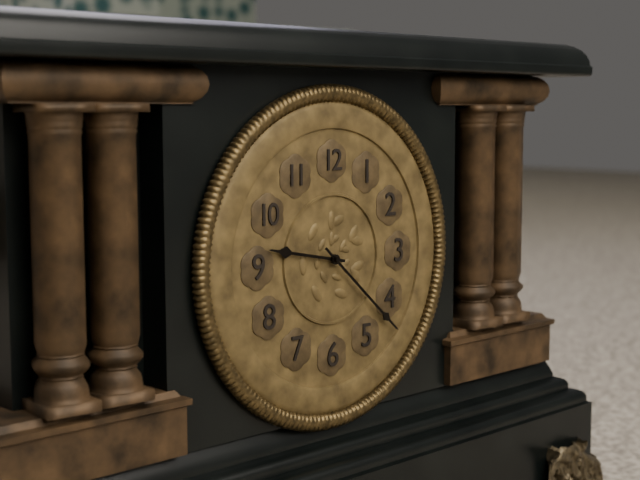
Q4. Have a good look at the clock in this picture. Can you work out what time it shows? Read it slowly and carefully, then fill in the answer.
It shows 9:22
